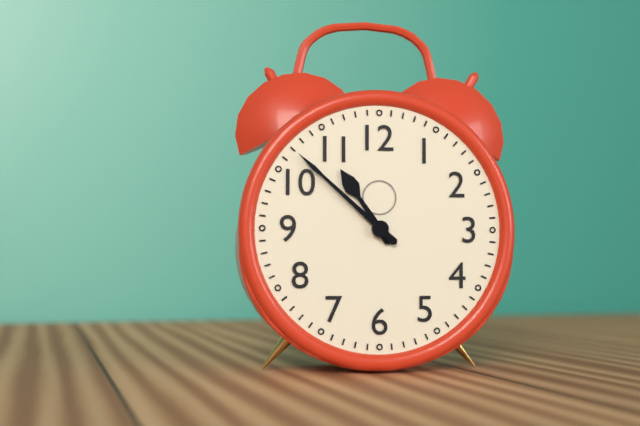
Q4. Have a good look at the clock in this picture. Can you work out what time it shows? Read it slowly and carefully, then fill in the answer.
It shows 10:52
